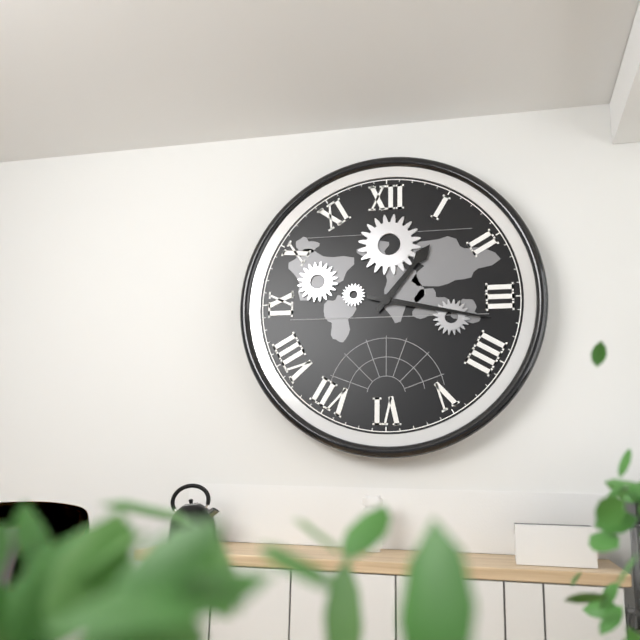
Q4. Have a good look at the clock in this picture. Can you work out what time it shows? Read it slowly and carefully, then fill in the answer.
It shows 1:17
